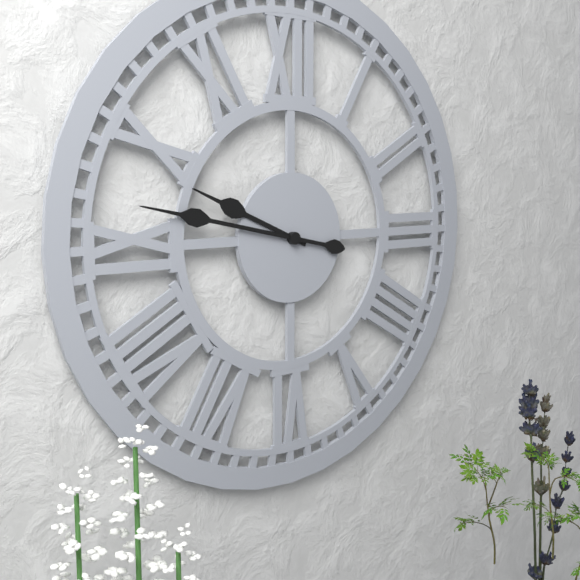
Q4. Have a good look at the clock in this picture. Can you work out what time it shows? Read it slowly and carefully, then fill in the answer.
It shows 9:47
